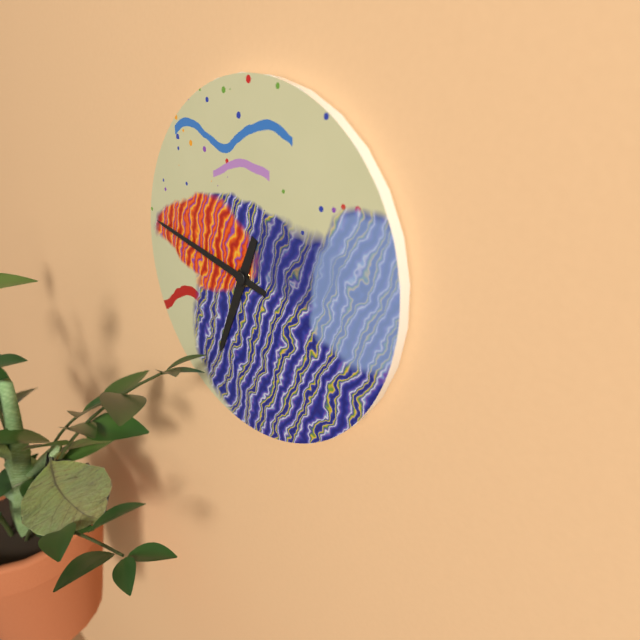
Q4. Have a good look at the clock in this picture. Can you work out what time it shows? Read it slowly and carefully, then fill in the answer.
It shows 6:47
